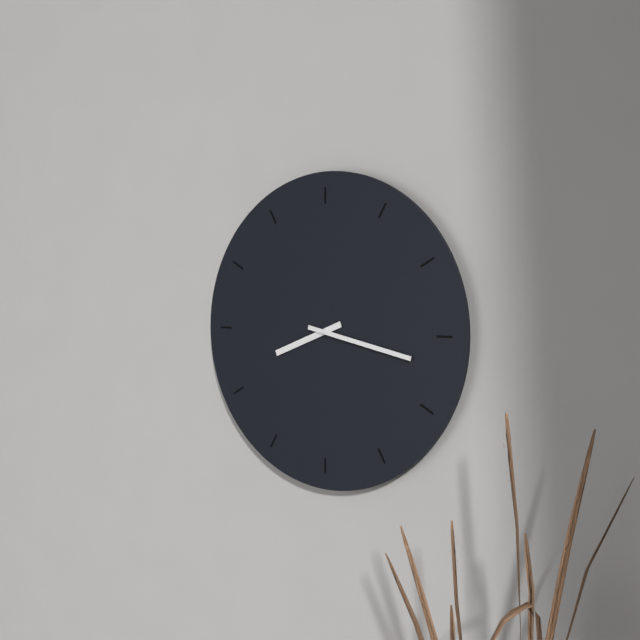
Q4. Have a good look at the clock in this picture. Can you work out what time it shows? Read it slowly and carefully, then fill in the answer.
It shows 8:17
